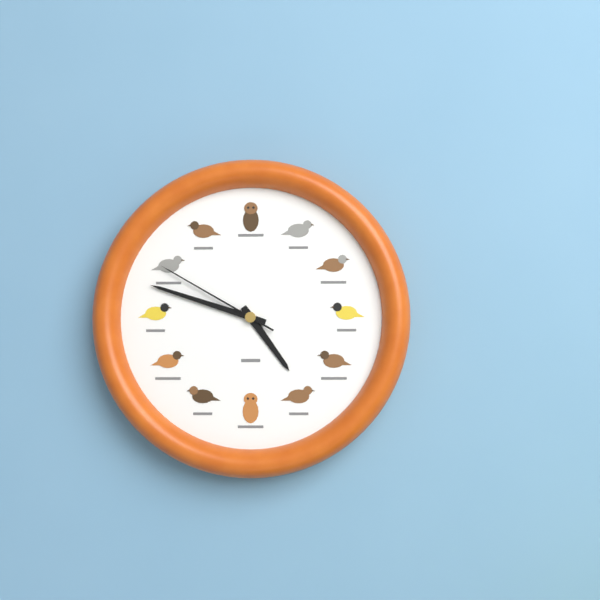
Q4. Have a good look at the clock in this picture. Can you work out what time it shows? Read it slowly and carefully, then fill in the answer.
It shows 4:48:50
